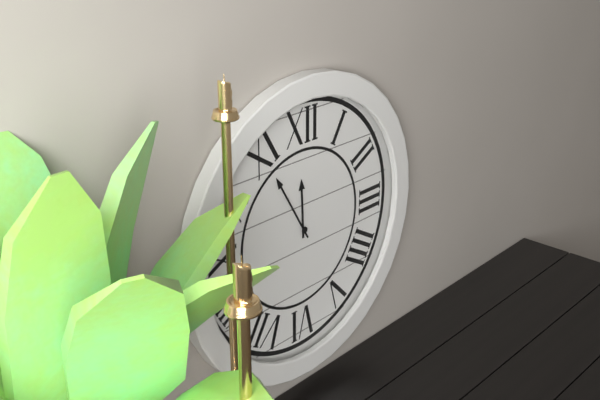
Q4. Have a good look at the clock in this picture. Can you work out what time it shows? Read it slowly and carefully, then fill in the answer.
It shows 11:55
